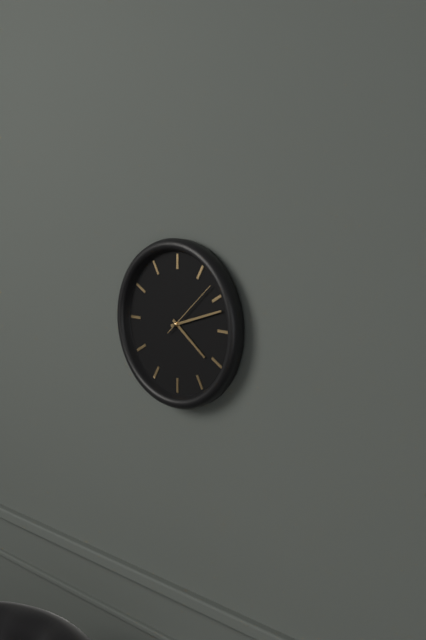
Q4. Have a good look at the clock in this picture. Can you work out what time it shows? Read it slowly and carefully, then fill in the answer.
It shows 4:12:08
